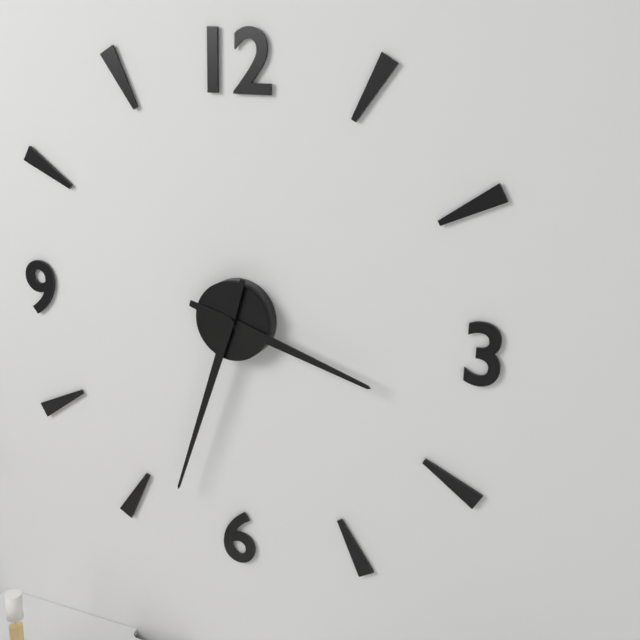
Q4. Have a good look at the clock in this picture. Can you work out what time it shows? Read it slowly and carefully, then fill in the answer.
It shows 3:33
